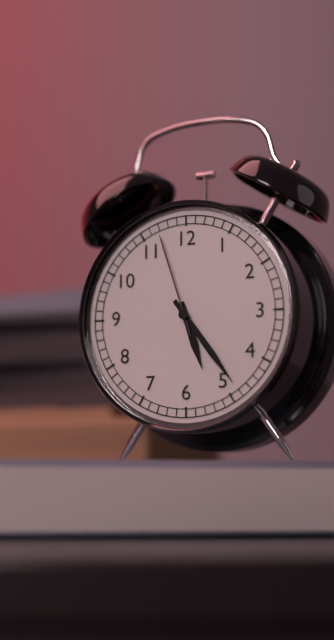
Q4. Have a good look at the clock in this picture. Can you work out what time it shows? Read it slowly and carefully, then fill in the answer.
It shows 5:24:57
